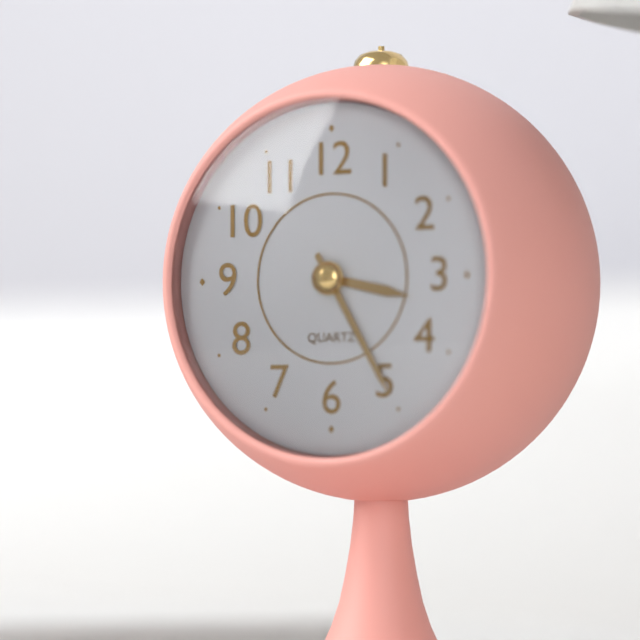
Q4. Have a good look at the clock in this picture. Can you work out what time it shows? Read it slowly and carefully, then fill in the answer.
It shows 3:25
